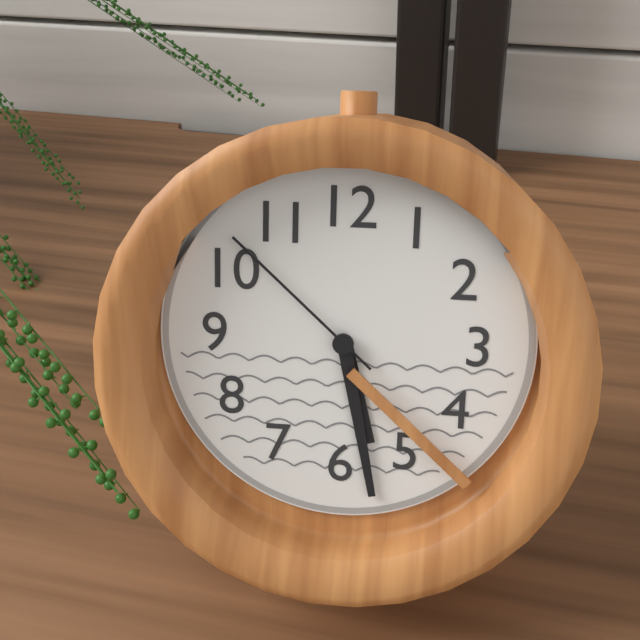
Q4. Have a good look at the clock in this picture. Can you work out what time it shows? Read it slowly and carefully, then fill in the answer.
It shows 5:28:52
